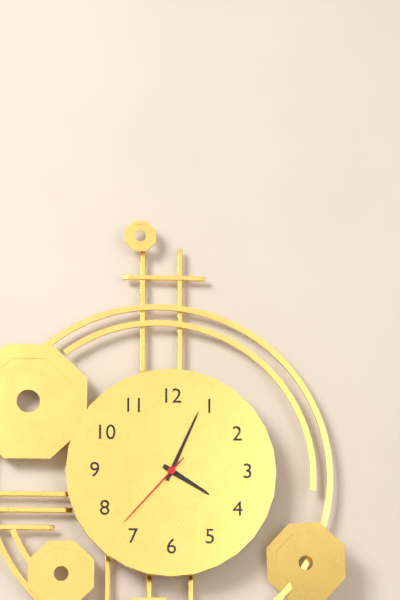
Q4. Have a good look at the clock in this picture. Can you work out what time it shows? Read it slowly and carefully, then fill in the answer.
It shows 4:04:37
